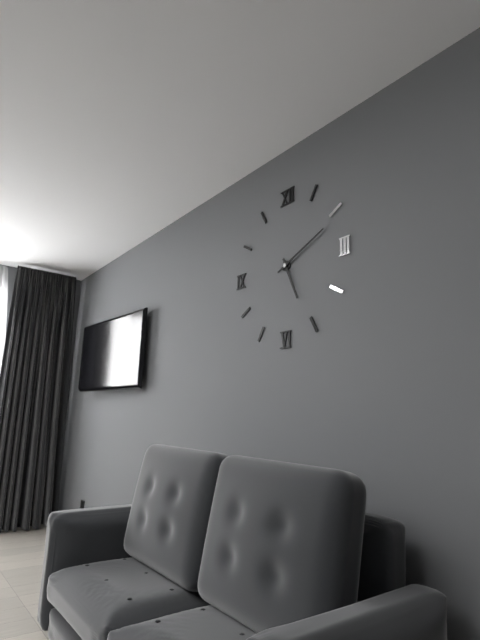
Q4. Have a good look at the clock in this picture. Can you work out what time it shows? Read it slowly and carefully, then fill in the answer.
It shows 5:11
